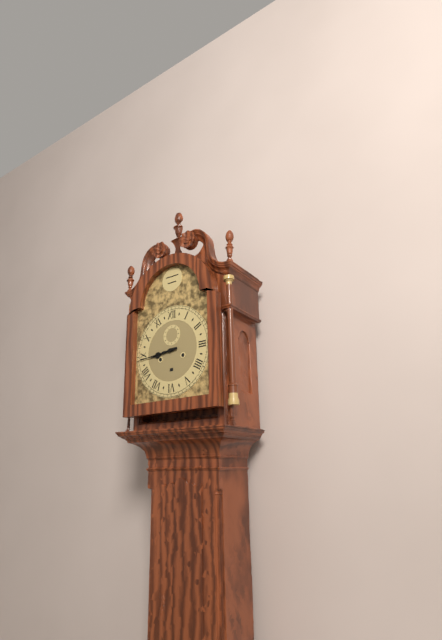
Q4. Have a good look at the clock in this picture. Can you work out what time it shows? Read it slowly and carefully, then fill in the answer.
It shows 8:44
